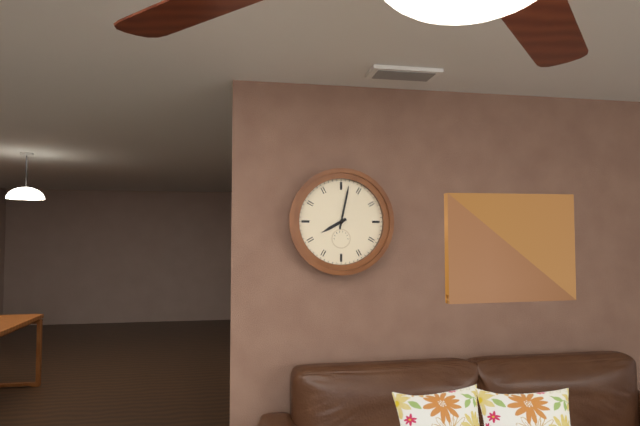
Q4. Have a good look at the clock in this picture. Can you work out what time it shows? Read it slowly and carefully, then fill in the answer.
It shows 8:02
